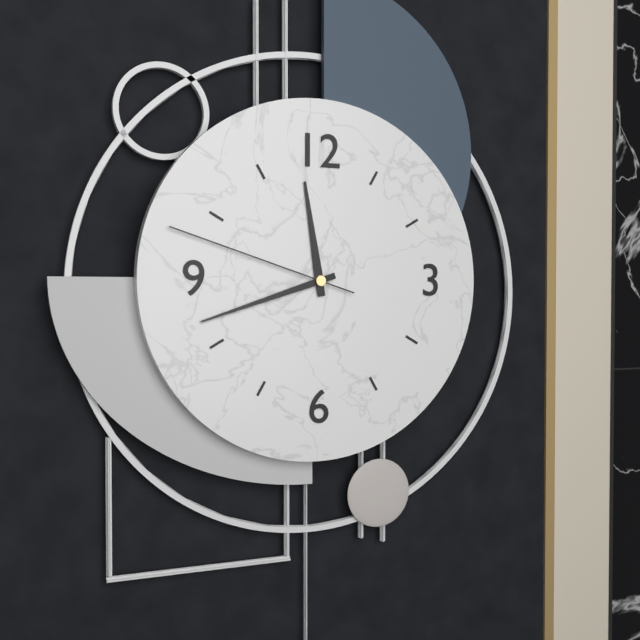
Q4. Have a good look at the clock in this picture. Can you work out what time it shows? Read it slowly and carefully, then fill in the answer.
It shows 11:42:48
